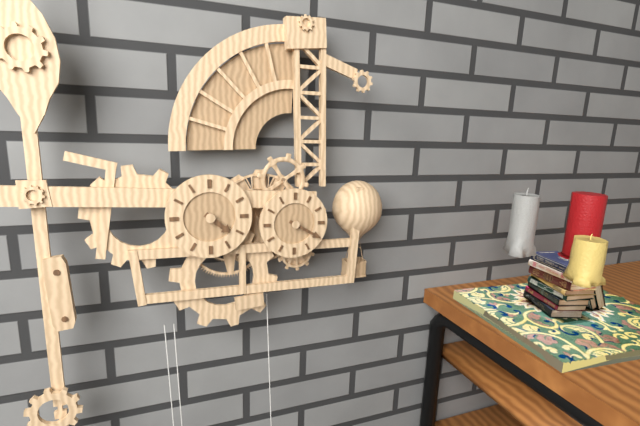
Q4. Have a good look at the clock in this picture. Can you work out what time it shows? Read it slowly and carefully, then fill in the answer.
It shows 4:20
